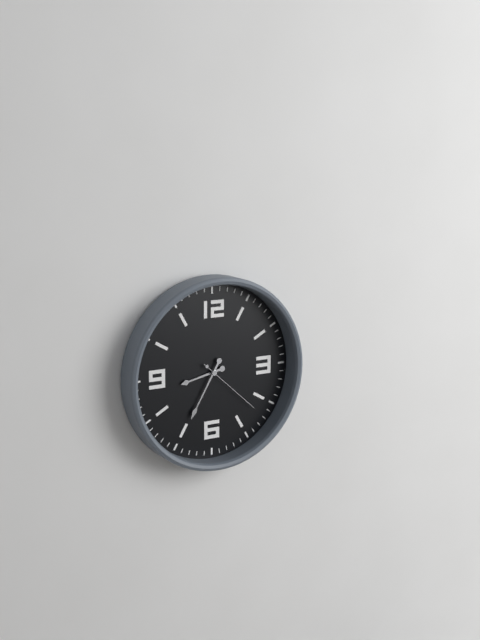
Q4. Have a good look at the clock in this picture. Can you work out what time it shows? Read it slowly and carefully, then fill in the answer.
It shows 8:35:22
